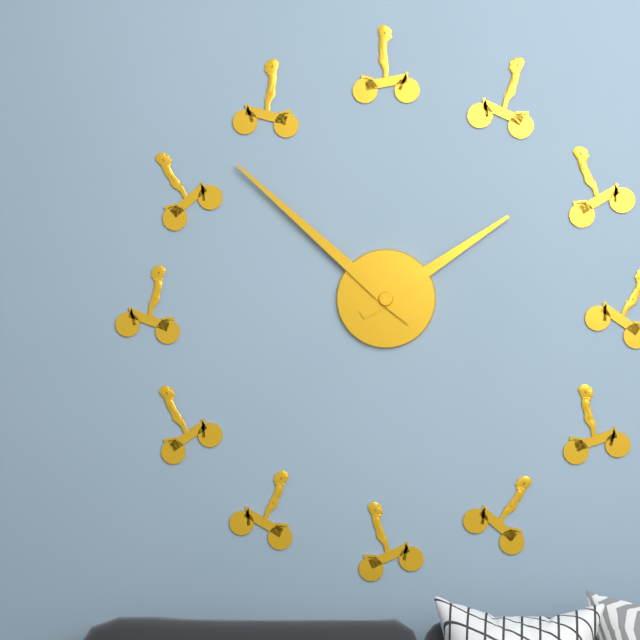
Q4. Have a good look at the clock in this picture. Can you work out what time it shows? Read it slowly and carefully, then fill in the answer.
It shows 1:52
